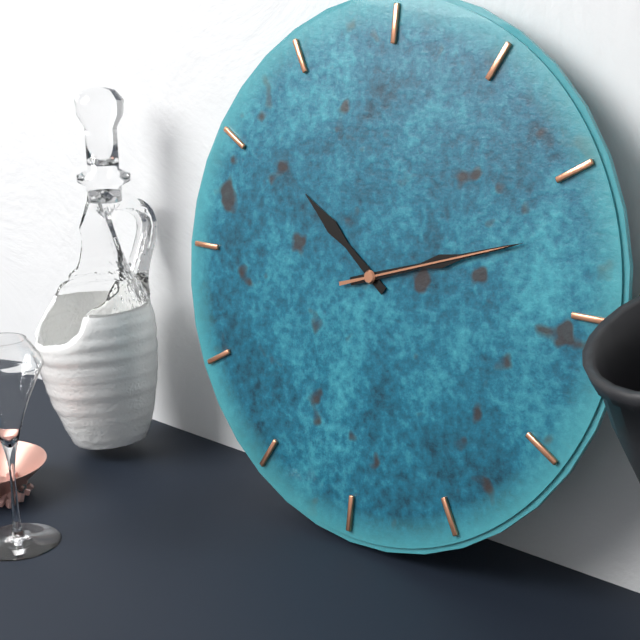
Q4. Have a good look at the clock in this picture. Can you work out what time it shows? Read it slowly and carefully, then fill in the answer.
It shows 10:12:12
